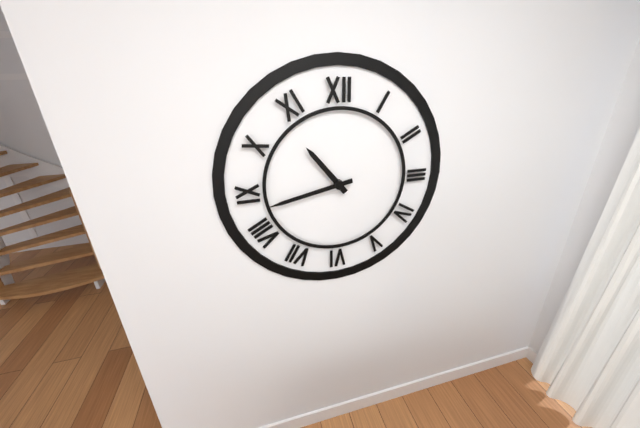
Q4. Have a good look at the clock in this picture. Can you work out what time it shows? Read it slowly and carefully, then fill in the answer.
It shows 10:43
